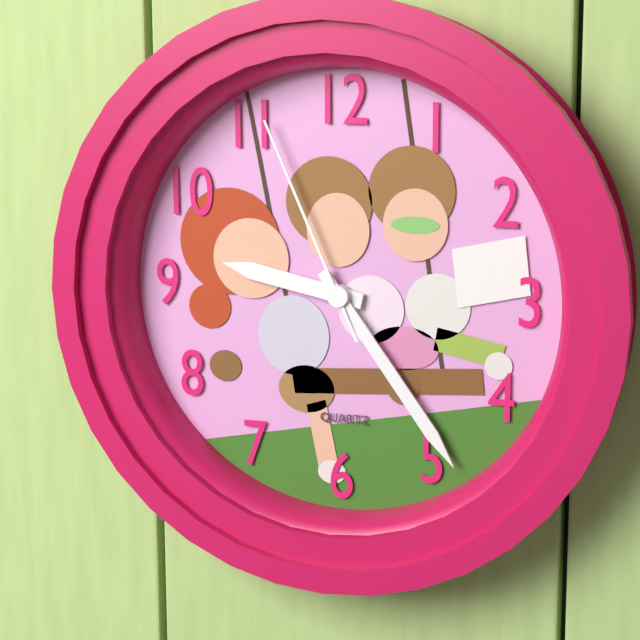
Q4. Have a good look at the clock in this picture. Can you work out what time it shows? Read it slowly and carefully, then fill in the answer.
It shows 9:24:56
